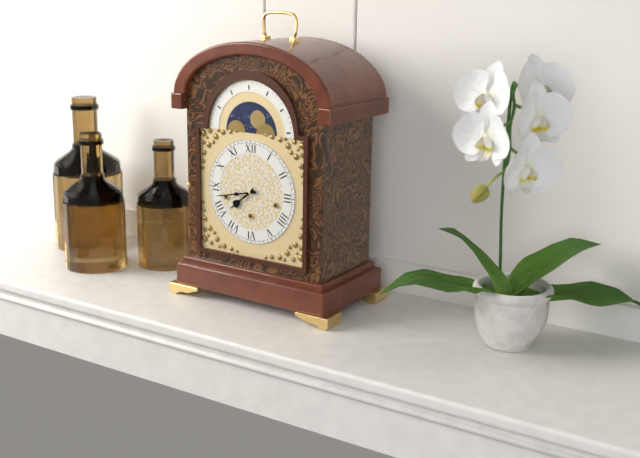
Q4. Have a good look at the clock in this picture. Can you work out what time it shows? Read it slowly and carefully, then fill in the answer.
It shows 7:43
